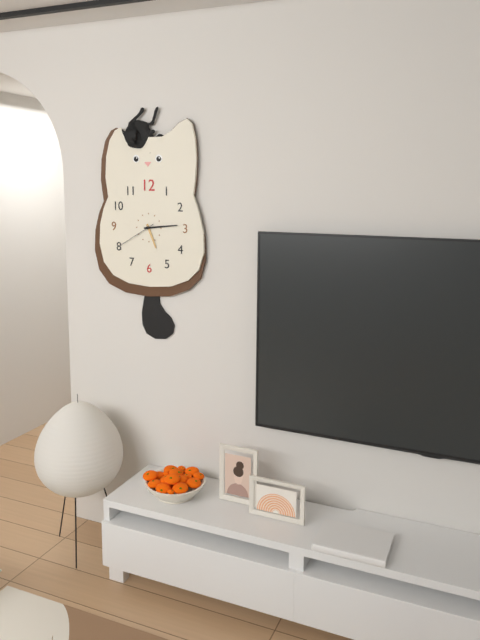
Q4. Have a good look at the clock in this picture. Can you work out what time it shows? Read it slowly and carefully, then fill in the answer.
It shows 5:14
